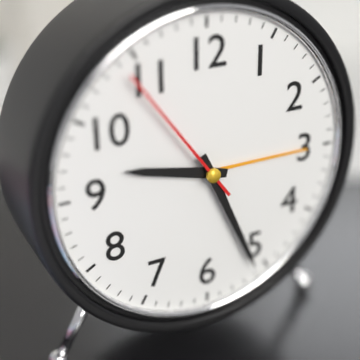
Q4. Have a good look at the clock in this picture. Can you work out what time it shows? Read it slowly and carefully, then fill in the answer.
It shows 9:26:54
